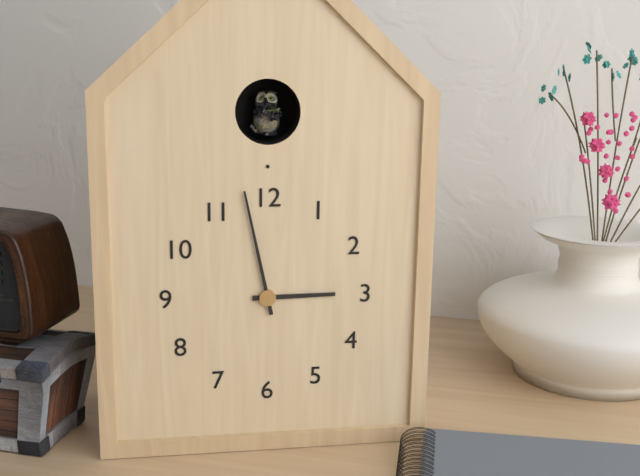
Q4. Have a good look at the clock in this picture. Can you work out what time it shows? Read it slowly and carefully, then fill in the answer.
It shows 2:58
